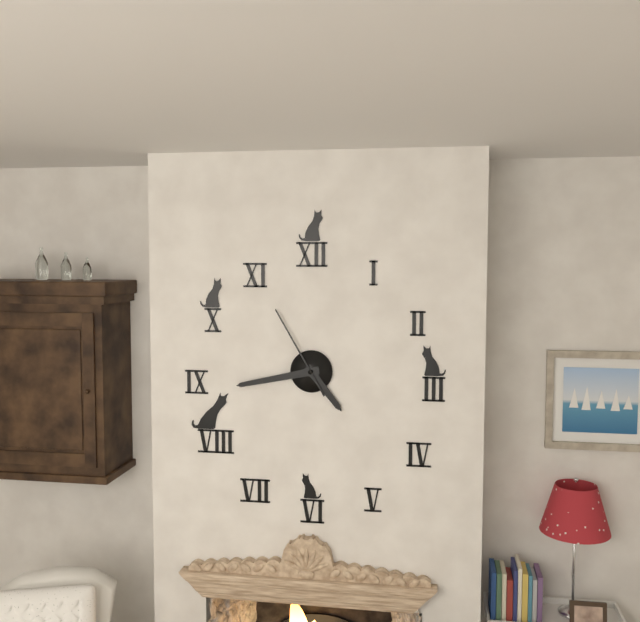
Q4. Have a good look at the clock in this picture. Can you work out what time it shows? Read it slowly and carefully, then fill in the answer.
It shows 4:43:55
